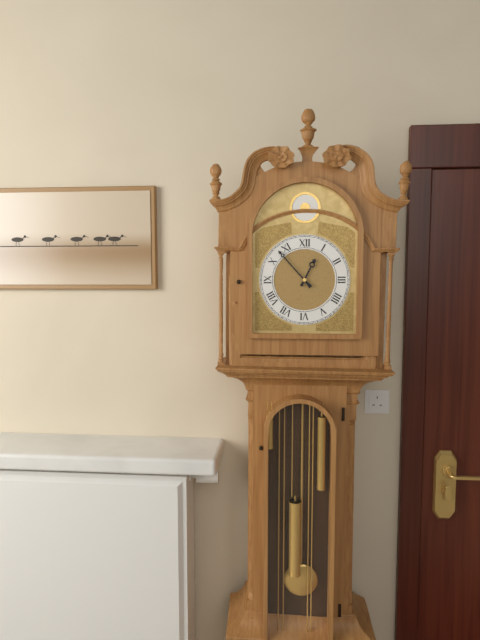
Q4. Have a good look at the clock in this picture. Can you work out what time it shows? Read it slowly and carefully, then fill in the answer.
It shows 12:53
